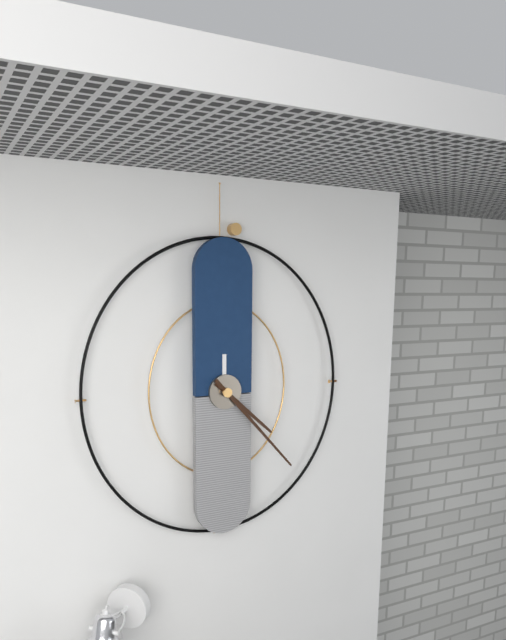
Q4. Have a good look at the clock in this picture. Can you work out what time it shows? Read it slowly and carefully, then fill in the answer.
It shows 4:23
